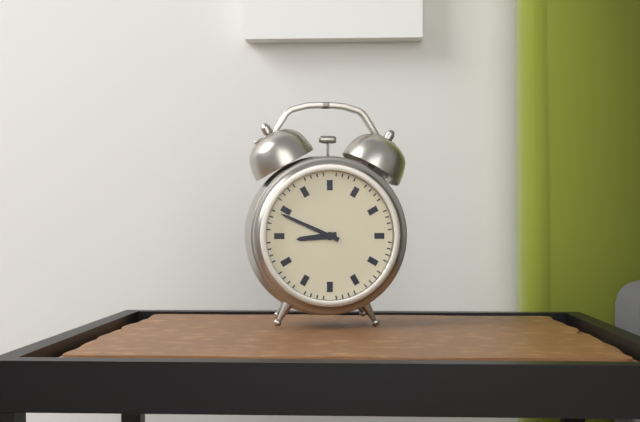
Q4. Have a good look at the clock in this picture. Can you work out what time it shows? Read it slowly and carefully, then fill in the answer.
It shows 8:49
